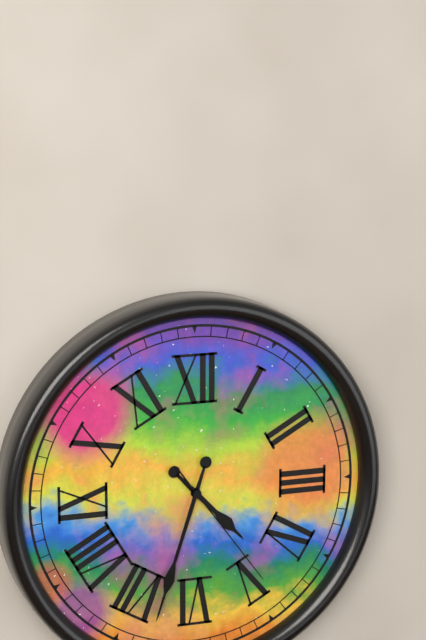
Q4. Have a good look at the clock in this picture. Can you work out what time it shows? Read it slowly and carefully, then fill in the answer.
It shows 4:33:24
